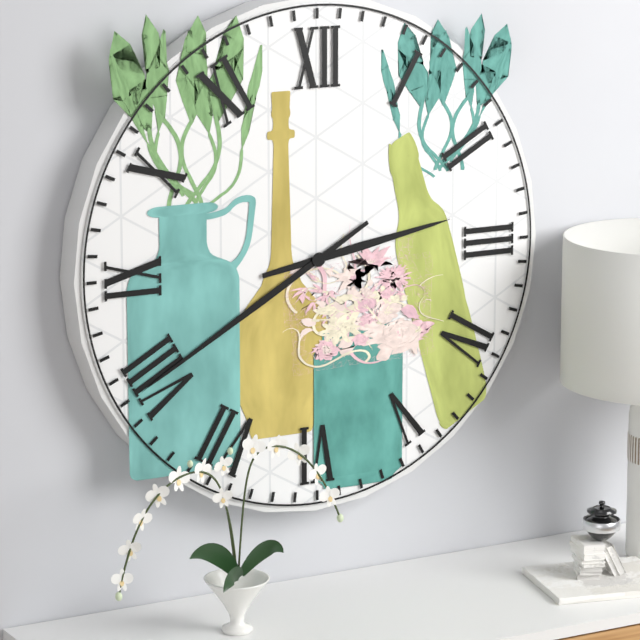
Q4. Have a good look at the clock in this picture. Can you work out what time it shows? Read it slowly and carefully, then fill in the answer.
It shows 2:40
